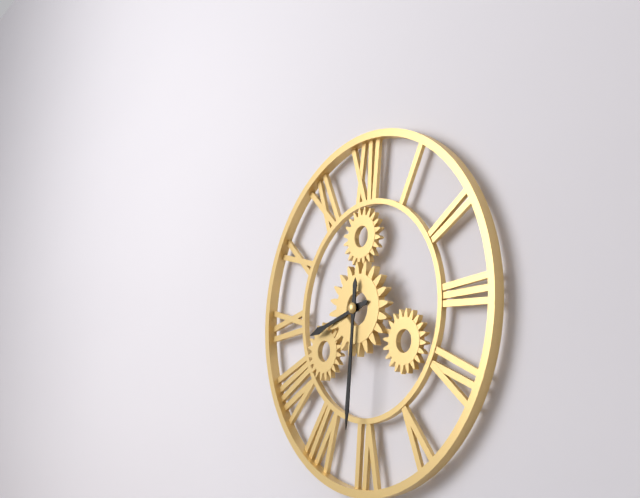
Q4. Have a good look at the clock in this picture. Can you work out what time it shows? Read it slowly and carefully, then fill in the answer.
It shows 8:31
